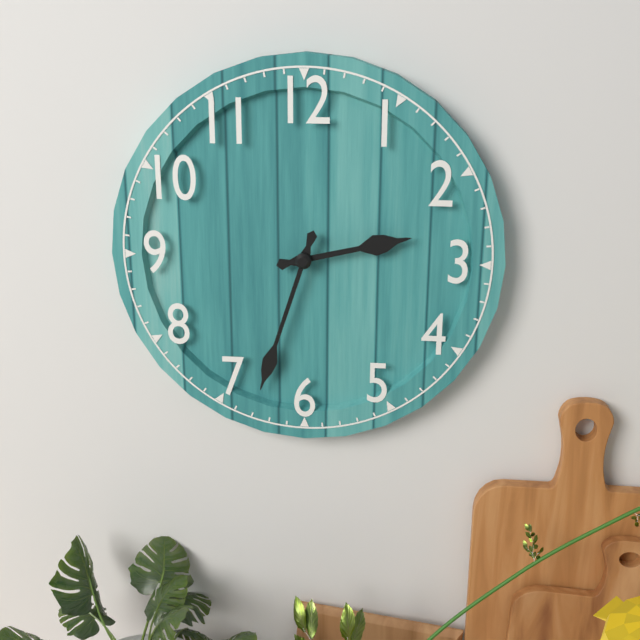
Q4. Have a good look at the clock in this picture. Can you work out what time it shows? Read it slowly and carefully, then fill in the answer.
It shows 2:33
